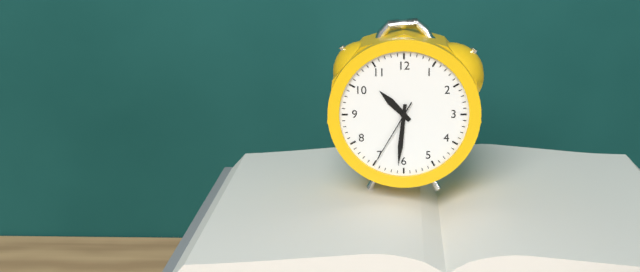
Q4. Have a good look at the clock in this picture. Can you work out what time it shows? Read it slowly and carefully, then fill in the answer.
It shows 10:31:35
